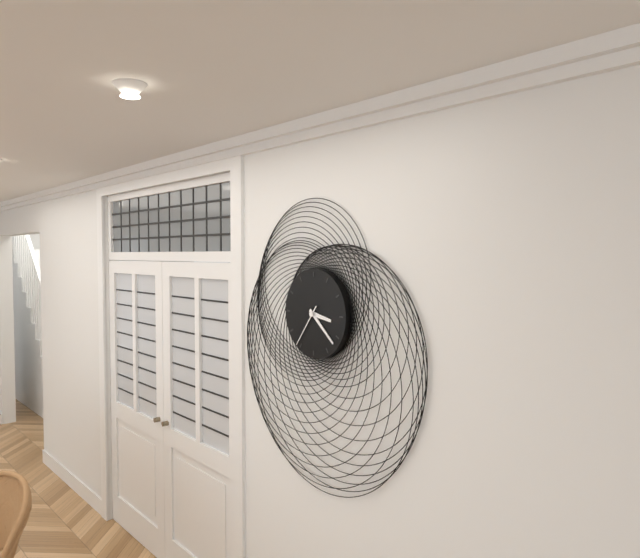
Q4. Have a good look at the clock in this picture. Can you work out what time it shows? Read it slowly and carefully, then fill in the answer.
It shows 3:22
